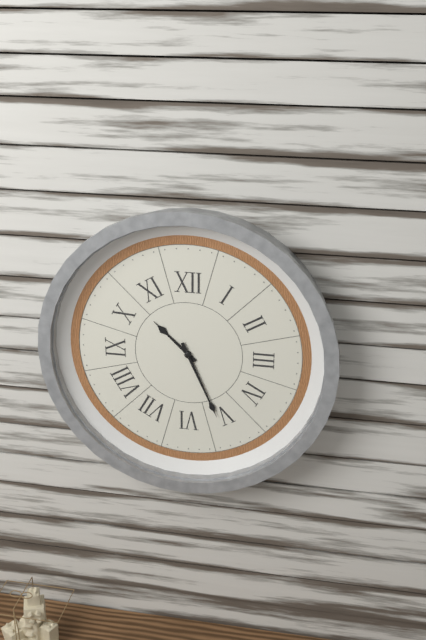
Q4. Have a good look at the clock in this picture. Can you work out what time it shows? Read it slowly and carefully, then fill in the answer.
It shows 10:26
